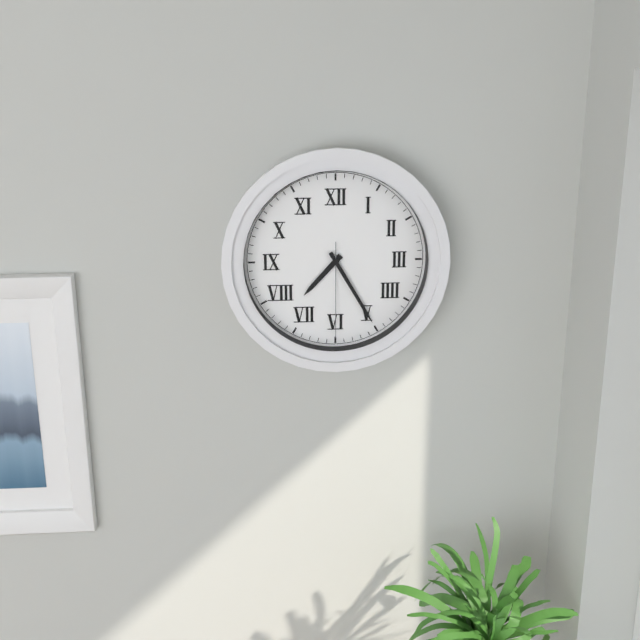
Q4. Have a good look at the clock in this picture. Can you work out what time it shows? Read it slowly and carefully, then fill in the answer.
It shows 7:25:30
